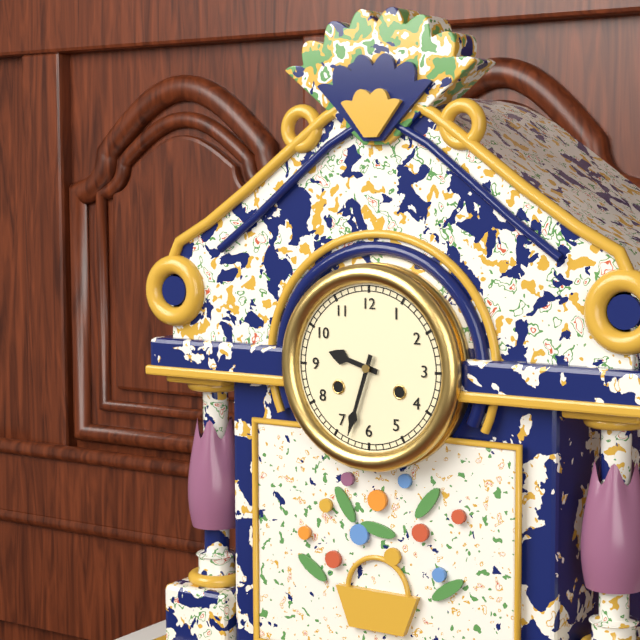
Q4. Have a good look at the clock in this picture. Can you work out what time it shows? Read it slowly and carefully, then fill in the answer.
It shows 9:33
